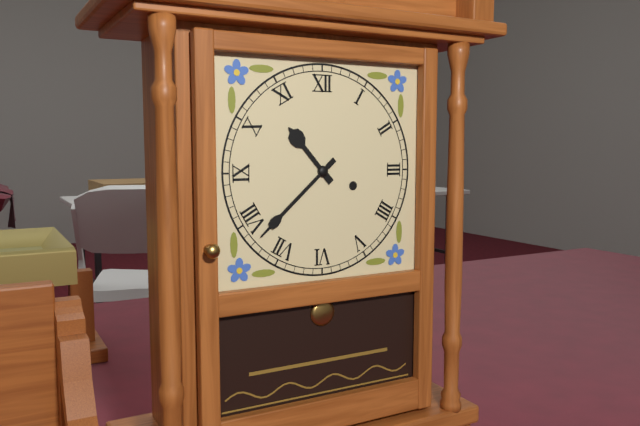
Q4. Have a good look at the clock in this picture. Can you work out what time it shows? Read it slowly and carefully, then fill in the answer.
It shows 10:38
